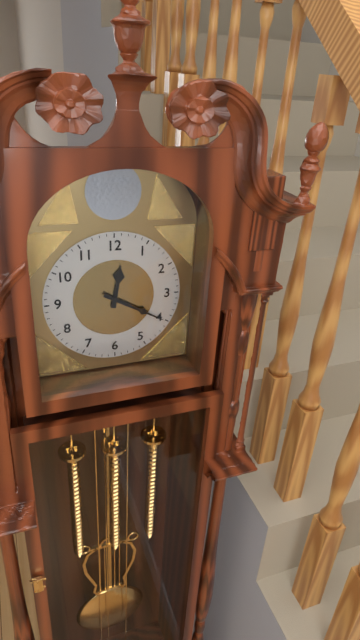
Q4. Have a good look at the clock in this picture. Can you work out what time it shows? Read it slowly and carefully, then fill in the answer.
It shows 12:20
